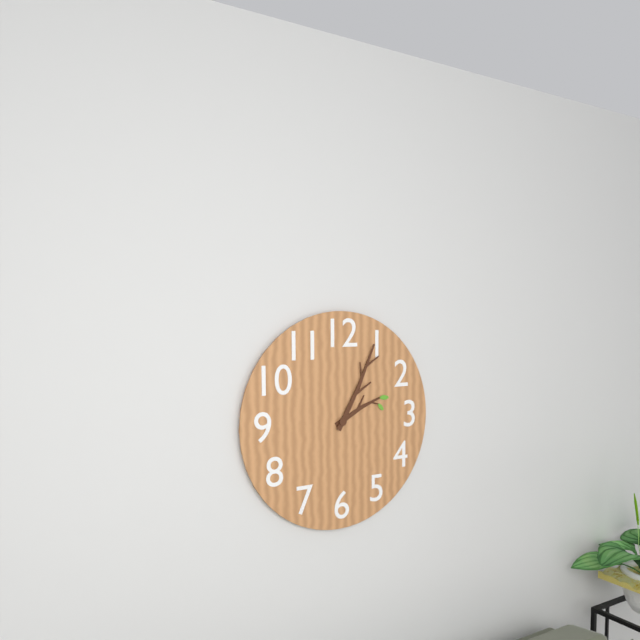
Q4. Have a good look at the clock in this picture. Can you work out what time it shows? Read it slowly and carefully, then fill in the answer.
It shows 2:05
